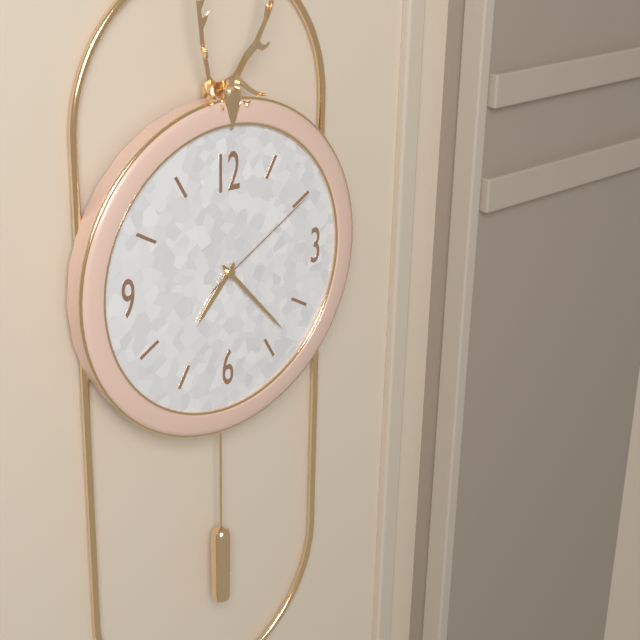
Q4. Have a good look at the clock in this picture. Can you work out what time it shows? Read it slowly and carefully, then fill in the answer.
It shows 7:23:10
